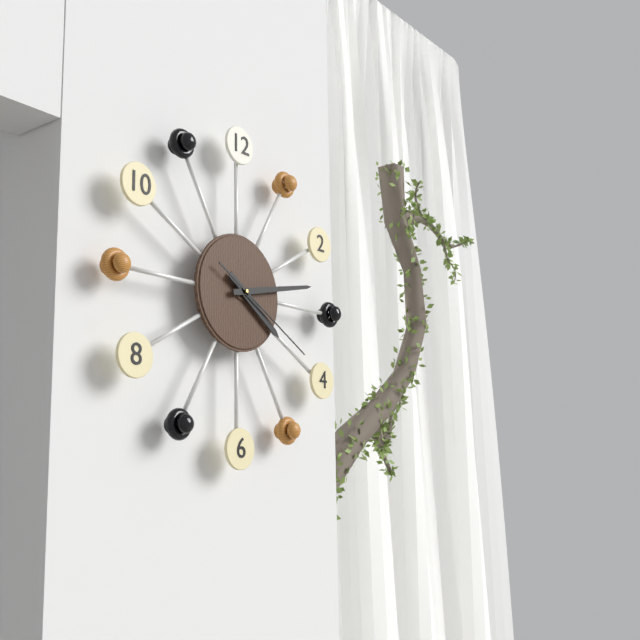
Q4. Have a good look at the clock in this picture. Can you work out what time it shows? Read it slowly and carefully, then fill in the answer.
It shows 4:13:20
